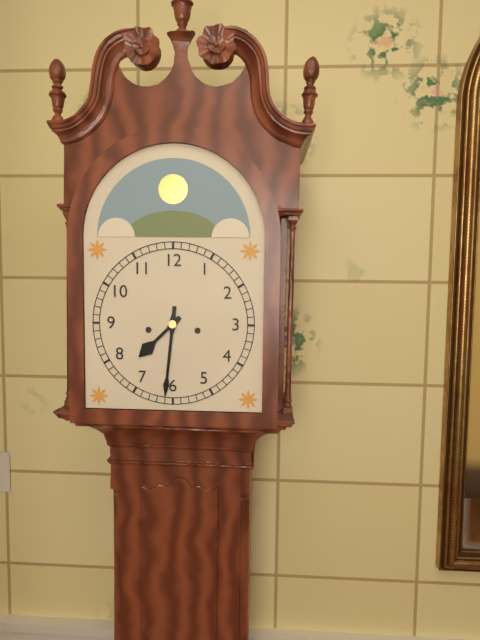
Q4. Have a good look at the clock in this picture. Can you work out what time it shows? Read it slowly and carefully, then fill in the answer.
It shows 7:31
